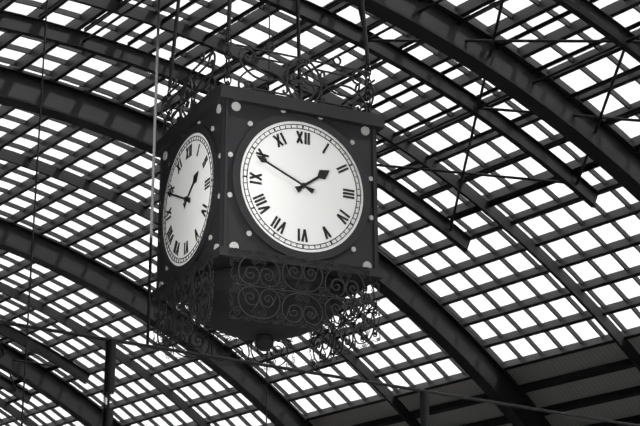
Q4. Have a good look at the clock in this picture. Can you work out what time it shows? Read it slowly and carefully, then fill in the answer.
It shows 1:49
